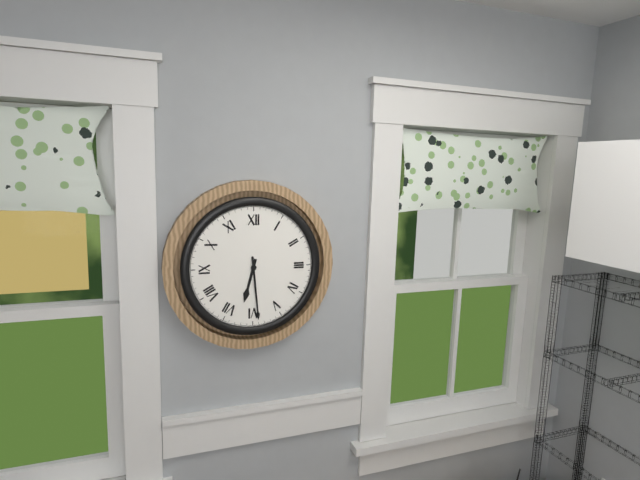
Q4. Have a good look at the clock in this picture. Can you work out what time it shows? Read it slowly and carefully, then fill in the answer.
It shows 6:29
